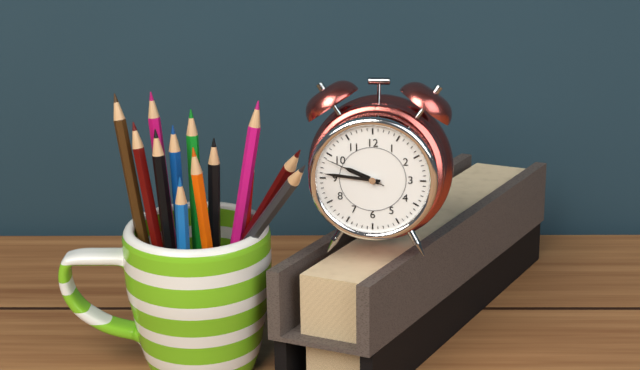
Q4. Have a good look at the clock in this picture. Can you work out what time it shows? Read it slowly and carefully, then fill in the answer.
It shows 9:46:49
